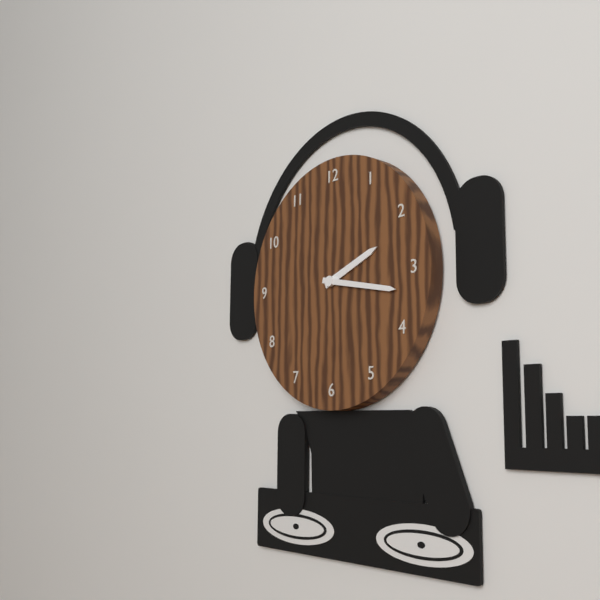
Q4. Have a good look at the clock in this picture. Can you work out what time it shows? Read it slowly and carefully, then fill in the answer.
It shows 2:17
